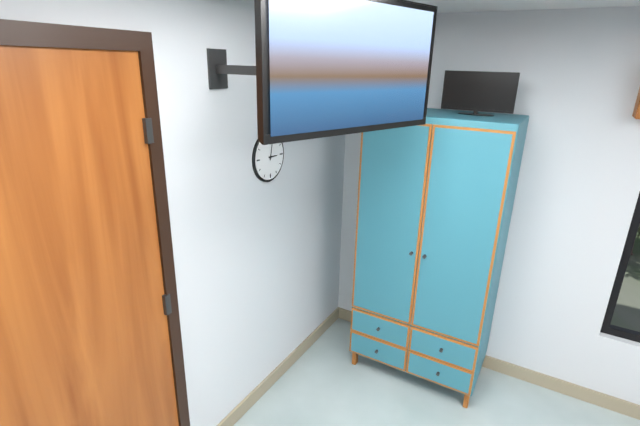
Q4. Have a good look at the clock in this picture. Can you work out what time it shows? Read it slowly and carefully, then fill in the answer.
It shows 3:02
